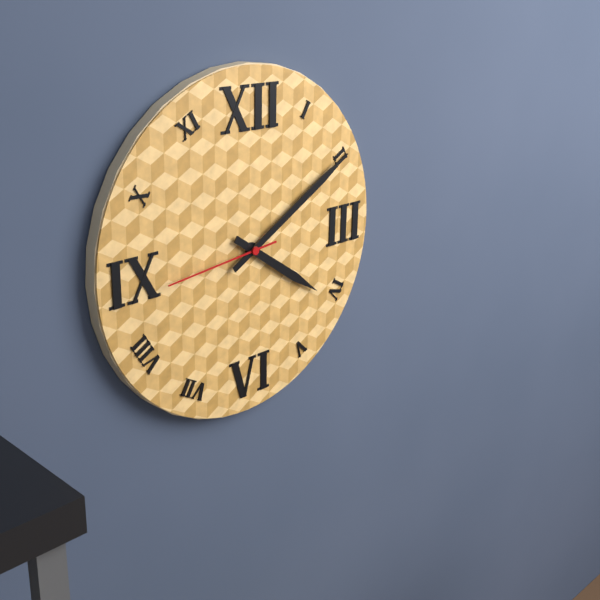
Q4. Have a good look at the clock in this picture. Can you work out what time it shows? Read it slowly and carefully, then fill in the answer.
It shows 4:10:44
